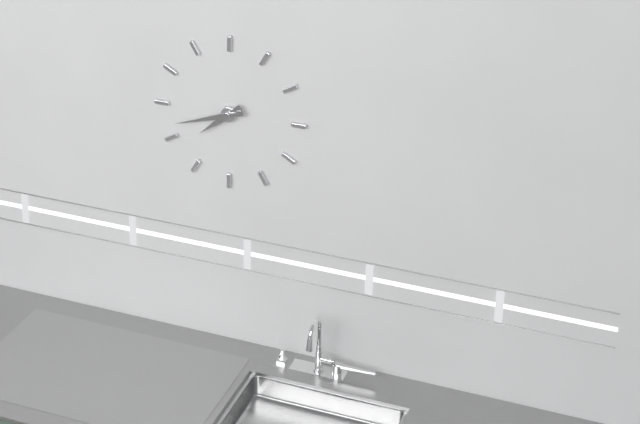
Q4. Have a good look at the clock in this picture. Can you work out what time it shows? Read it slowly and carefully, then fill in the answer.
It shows 7:42
